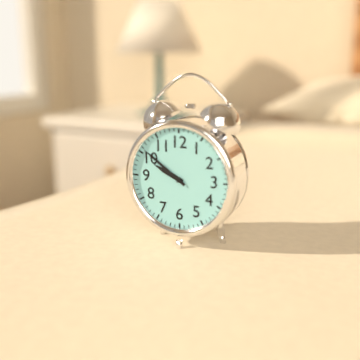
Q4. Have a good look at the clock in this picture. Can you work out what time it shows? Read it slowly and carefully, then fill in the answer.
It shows 9:51
